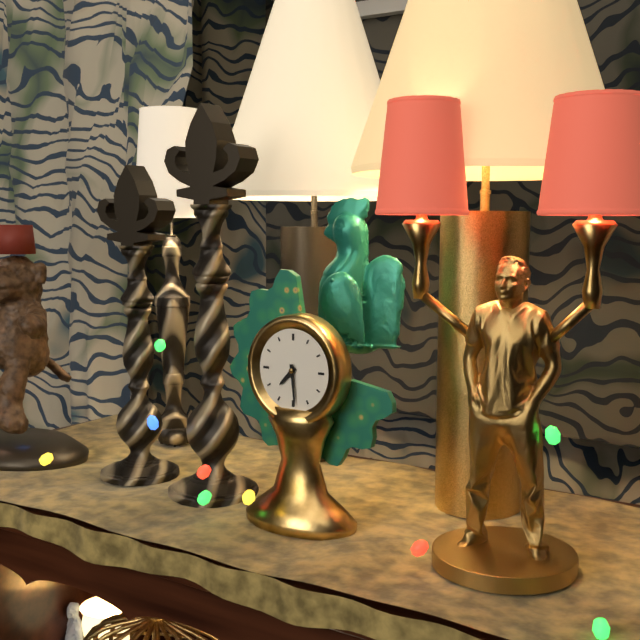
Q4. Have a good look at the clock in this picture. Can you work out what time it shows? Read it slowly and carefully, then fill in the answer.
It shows 7:29
